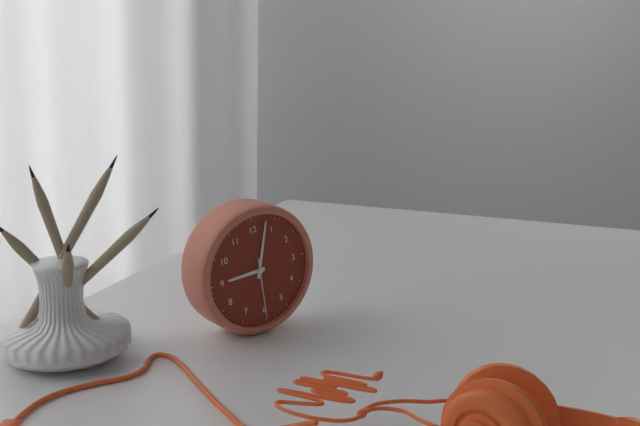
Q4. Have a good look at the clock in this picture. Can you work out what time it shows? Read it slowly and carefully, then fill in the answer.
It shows 9:03:30
